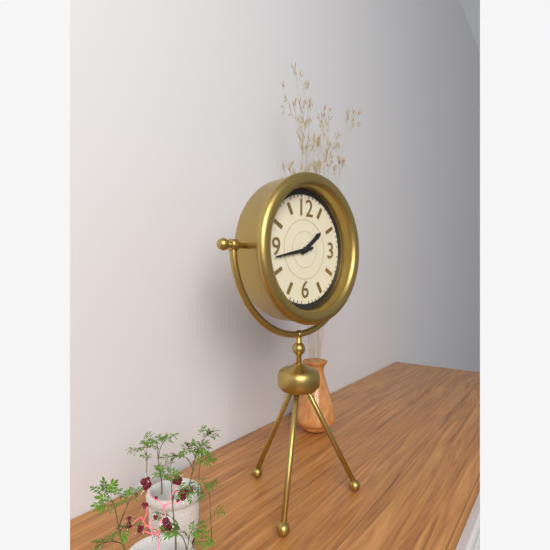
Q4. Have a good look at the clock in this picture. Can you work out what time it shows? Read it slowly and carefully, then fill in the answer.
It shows 1:43
